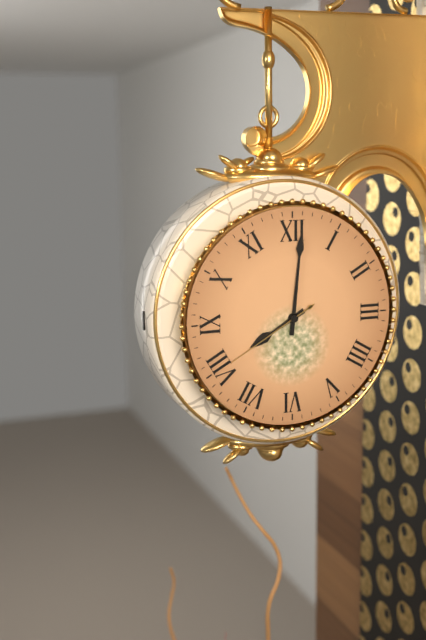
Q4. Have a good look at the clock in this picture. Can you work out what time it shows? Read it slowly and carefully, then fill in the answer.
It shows 8:01:40
